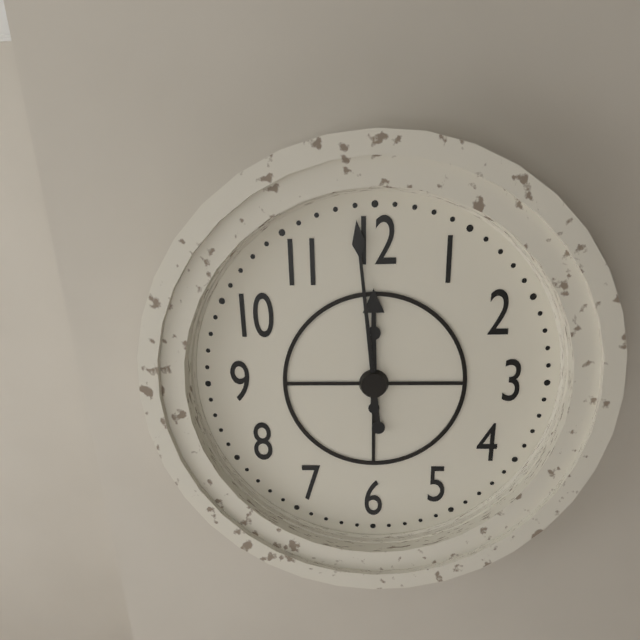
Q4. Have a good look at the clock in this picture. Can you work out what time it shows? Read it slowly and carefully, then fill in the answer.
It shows 11:59
